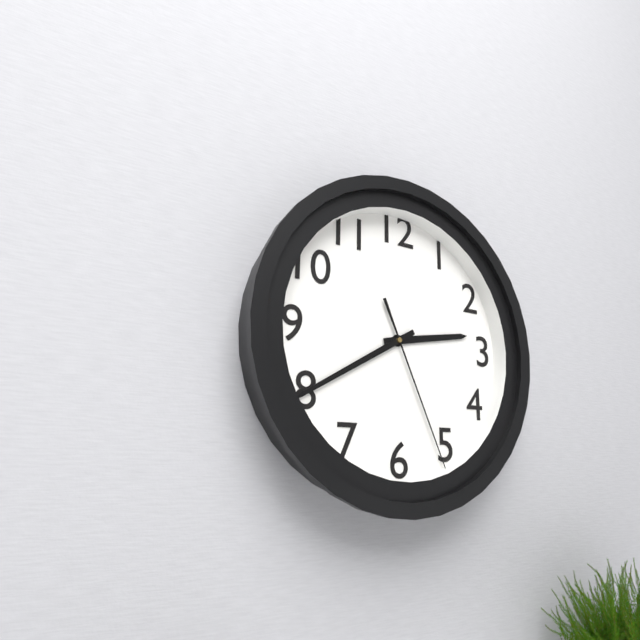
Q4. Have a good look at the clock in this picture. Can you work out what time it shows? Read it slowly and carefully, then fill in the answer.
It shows 2:40:26
